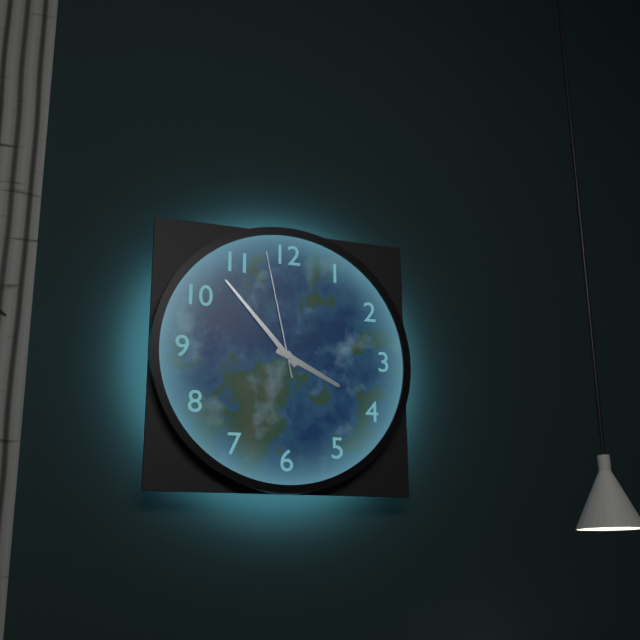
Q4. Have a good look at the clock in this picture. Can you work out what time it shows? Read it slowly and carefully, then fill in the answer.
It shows 3:53:58
